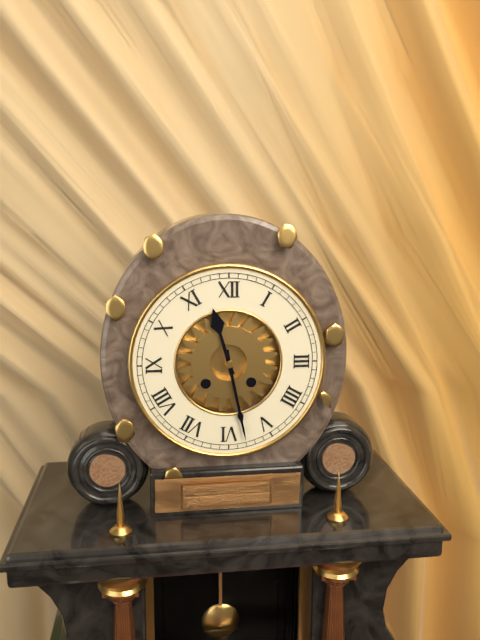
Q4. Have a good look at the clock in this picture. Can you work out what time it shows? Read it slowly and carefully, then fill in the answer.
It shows 11:28
